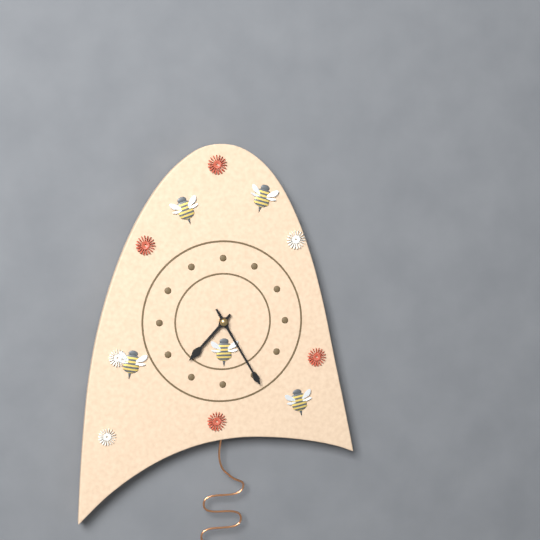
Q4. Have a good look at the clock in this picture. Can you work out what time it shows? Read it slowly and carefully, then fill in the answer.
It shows 7:25
